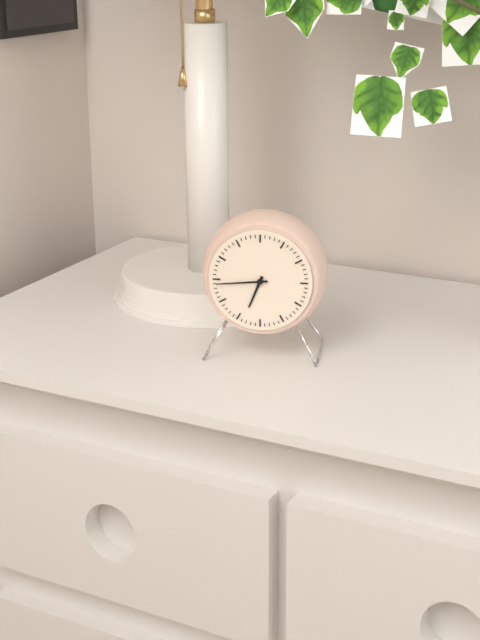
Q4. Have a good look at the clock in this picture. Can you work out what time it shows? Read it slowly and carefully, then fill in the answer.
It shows 6:44
